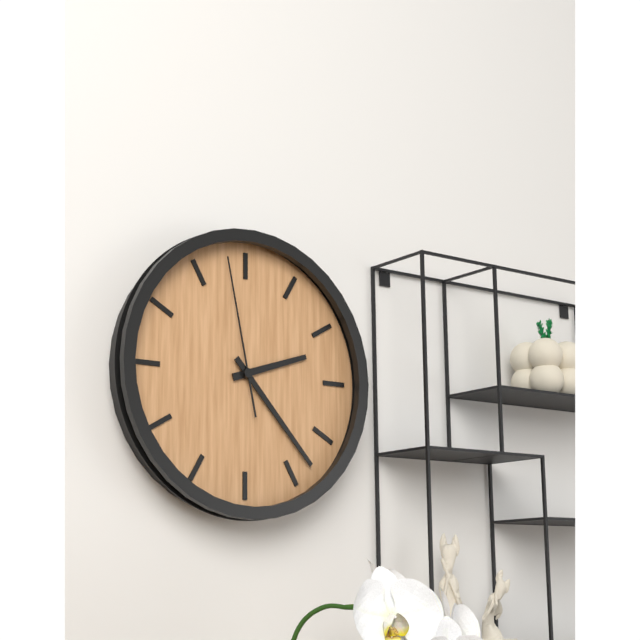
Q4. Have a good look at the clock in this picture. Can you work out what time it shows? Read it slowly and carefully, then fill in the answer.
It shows 2:23:58
